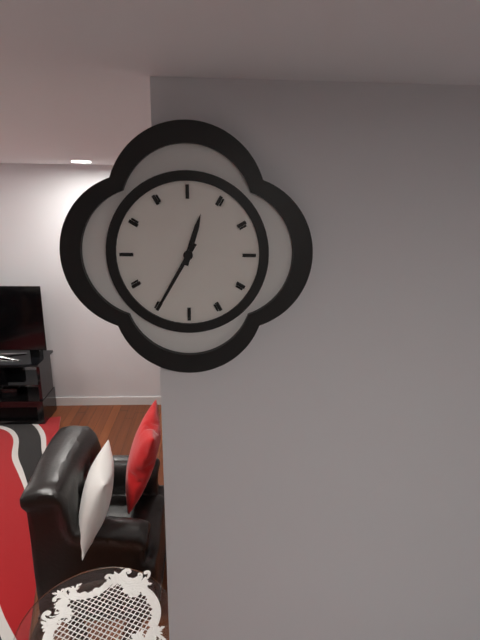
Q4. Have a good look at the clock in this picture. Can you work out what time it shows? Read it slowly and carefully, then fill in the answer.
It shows 12:35
